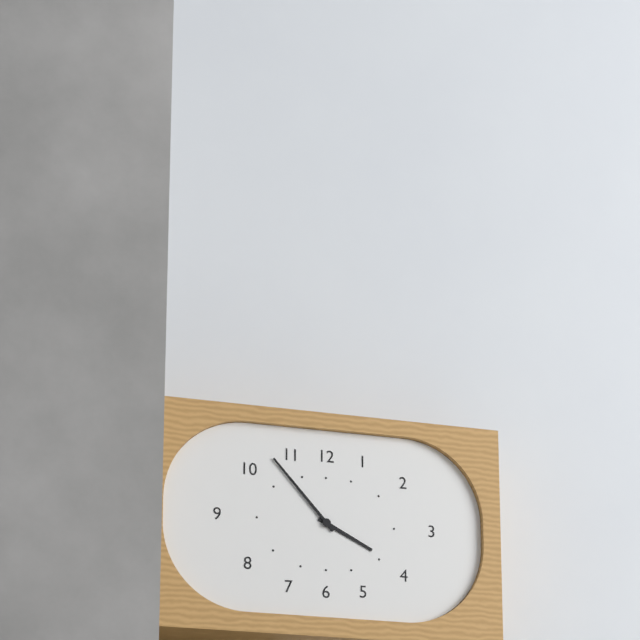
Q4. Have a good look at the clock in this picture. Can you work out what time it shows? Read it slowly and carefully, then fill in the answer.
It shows 3:53
